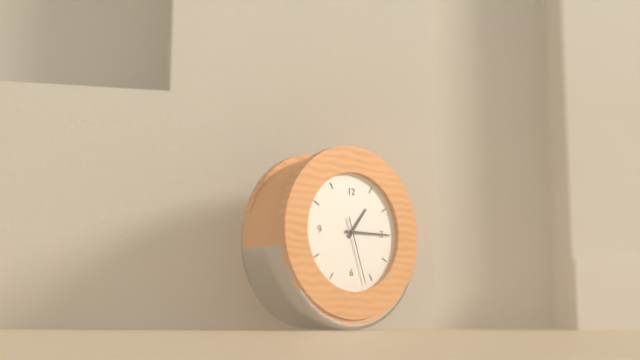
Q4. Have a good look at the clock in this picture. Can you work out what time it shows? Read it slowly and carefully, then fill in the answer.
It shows 1:15:27
